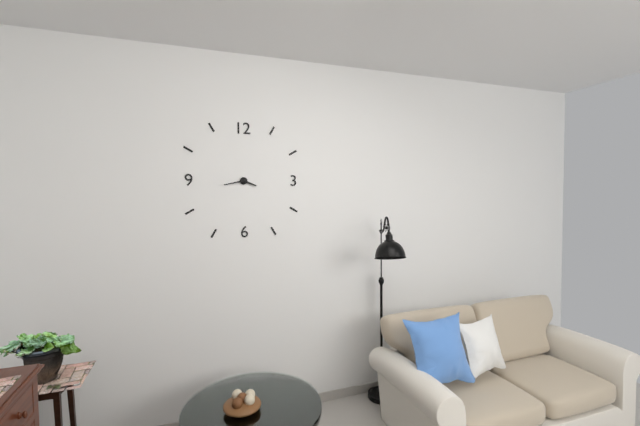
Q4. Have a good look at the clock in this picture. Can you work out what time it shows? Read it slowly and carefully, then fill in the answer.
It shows 3:43
